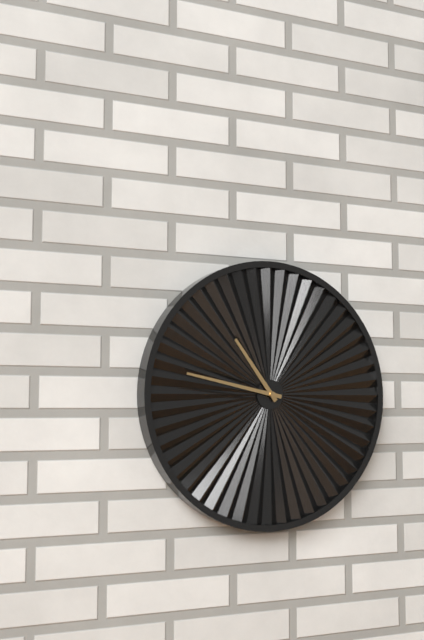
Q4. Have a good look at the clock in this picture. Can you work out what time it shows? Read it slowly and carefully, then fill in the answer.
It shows 10:47
